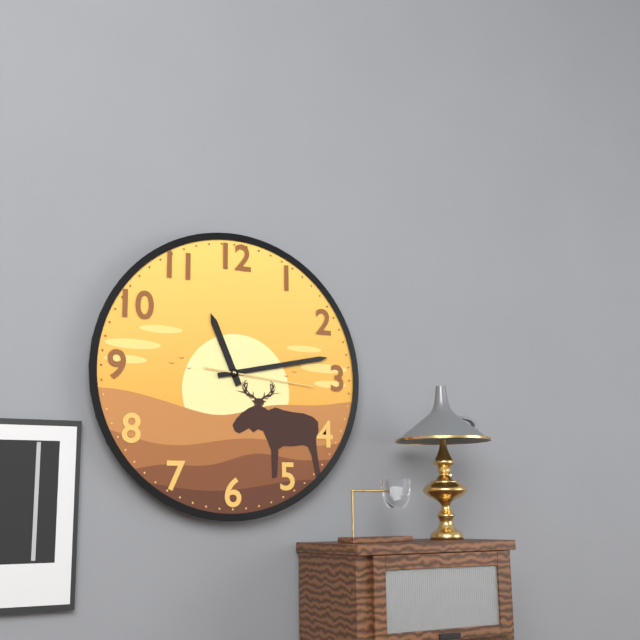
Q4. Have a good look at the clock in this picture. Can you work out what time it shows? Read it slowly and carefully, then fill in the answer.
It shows 11:13:16
